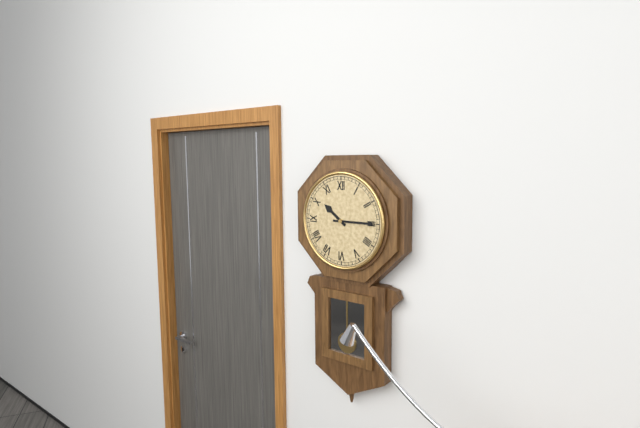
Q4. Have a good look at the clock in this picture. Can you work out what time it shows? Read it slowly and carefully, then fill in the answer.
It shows 10:15
